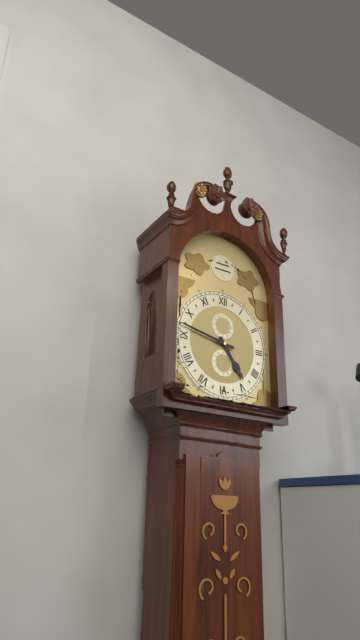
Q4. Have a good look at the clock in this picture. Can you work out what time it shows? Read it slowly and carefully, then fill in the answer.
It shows 4:47
